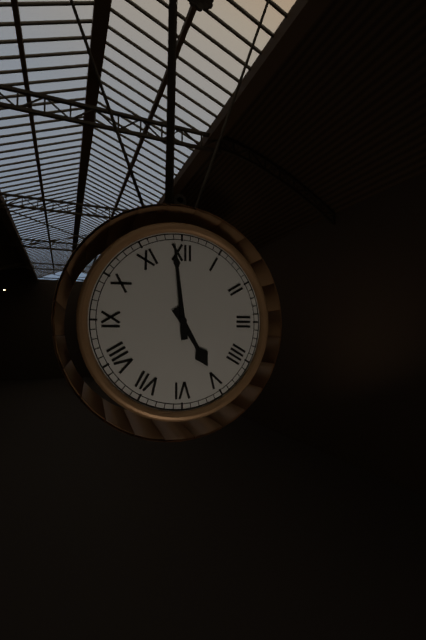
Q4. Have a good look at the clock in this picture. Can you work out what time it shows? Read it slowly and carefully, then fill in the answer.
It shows 4:59
